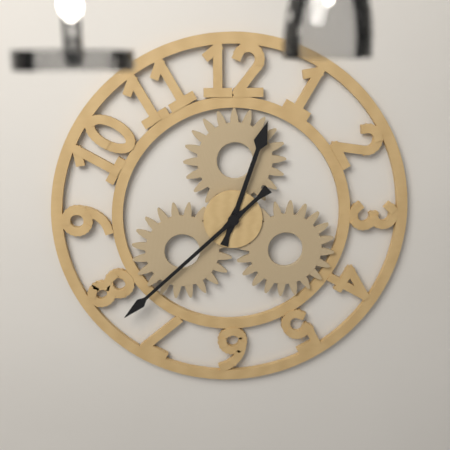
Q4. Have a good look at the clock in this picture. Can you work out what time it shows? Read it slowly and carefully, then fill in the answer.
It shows 12:38
